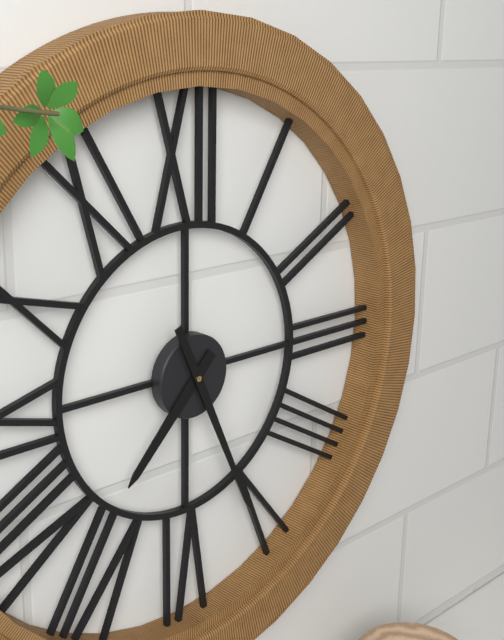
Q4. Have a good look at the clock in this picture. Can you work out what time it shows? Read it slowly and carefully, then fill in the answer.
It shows 7:26
